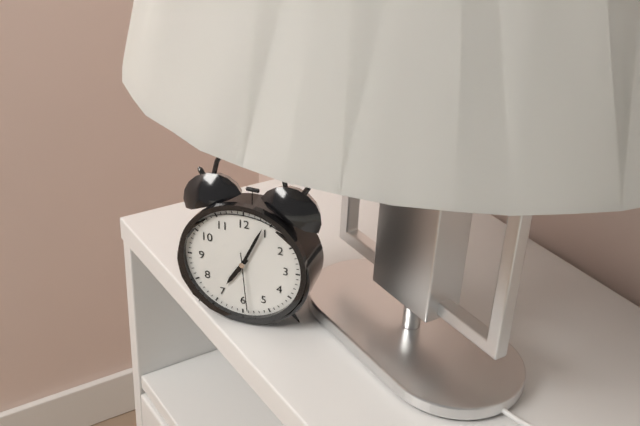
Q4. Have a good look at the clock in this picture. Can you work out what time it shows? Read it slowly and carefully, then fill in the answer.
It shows 7:04:29
